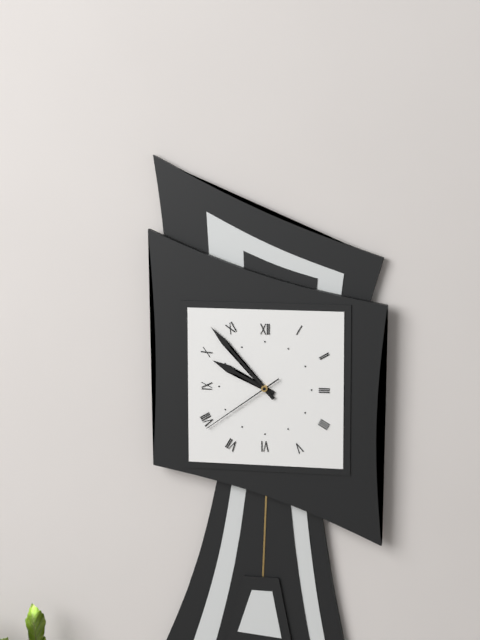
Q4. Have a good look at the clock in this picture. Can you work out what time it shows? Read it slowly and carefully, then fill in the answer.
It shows 9:53:39
